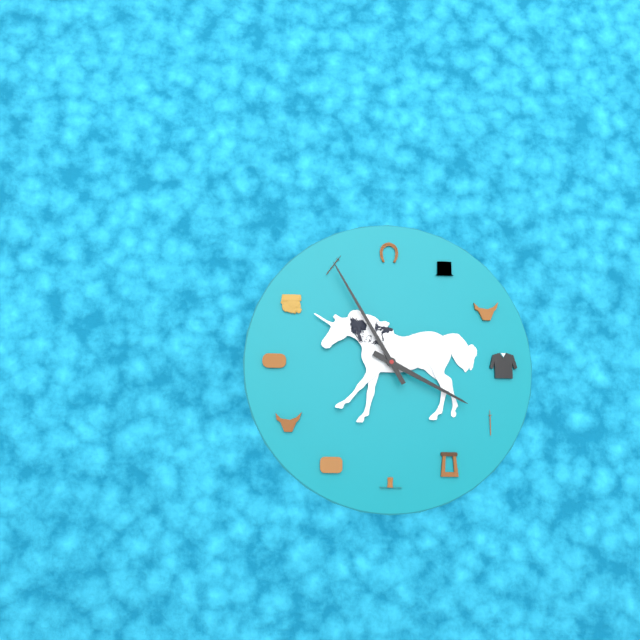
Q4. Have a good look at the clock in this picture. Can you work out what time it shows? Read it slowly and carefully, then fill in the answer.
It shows 3:55
